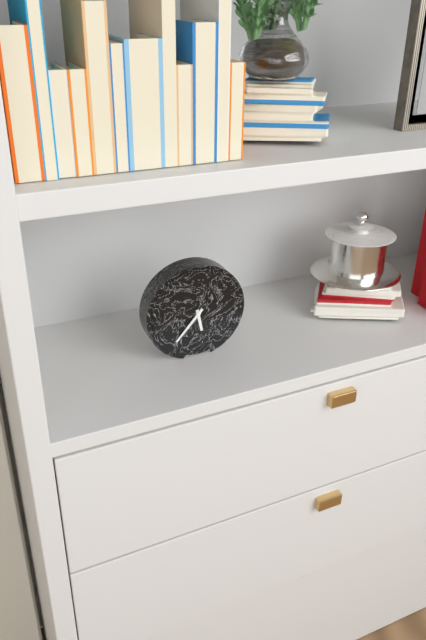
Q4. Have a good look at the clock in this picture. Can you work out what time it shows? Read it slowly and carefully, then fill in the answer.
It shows 5:37
